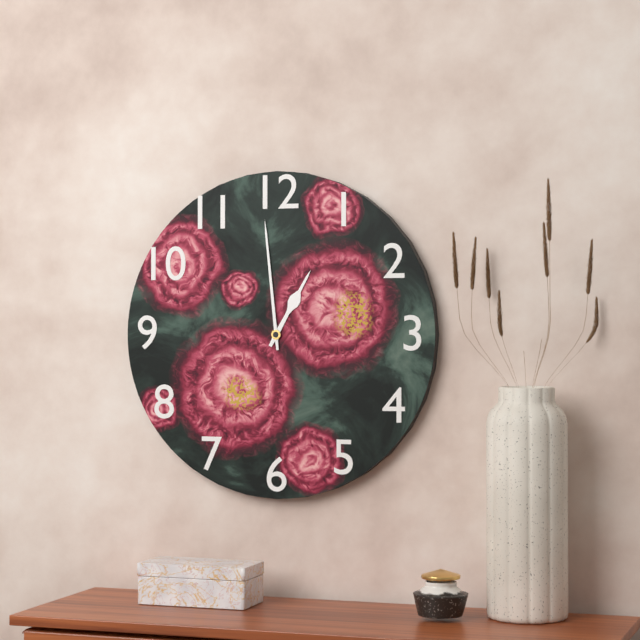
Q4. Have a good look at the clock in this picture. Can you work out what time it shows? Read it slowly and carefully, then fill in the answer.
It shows 12:59
